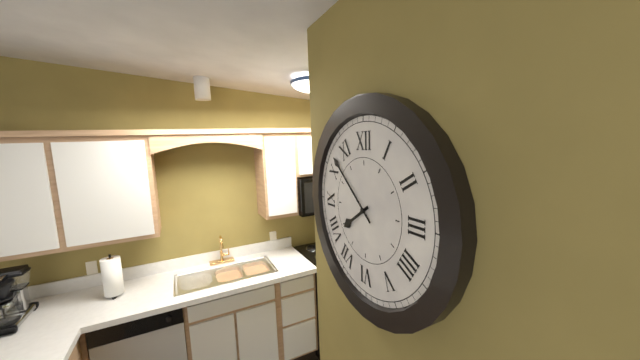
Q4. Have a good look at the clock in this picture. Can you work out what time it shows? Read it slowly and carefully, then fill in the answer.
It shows 7:52
